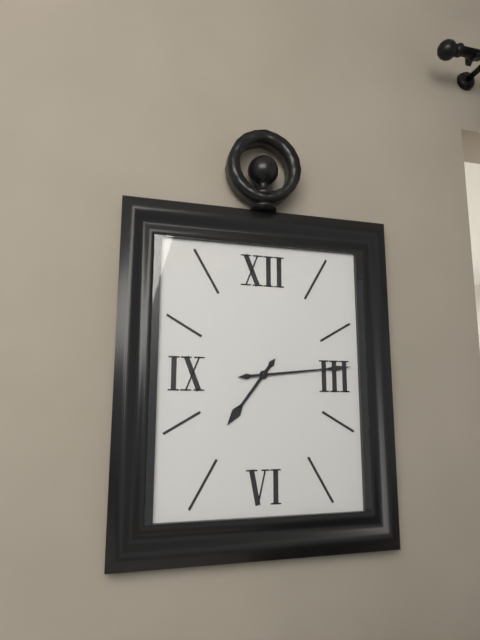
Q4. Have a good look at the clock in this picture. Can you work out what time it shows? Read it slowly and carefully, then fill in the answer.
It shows 7:14
